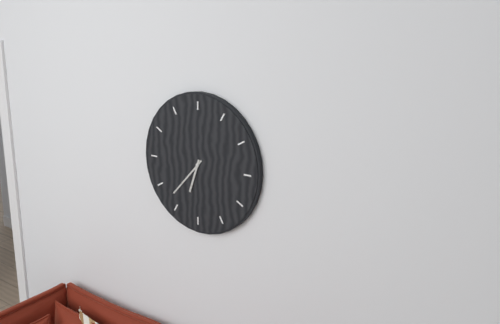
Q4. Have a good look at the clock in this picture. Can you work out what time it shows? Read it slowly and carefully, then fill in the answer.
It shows 6:37
